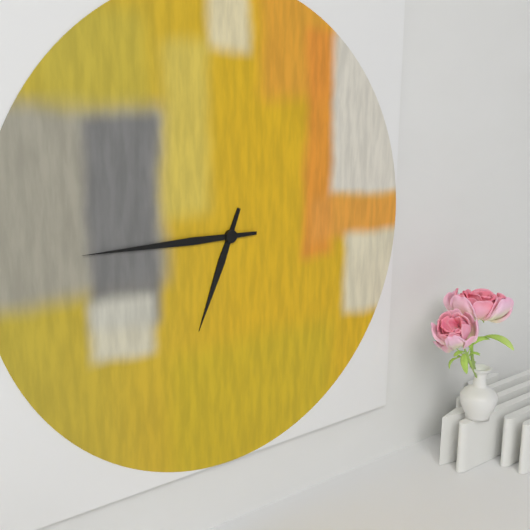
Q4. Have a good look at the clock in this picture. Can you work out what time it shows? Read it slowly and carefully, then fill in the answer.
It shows 6:45
